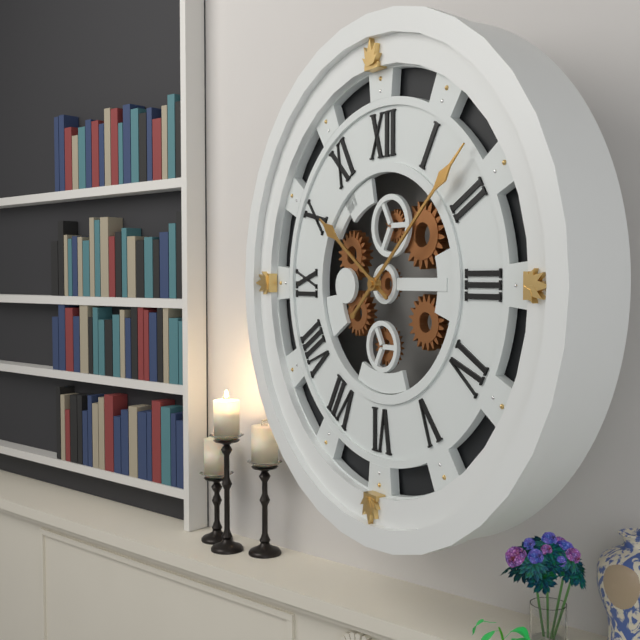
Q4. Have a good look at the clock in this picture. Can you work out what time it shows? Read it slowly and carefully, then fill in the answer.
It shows 10:08
